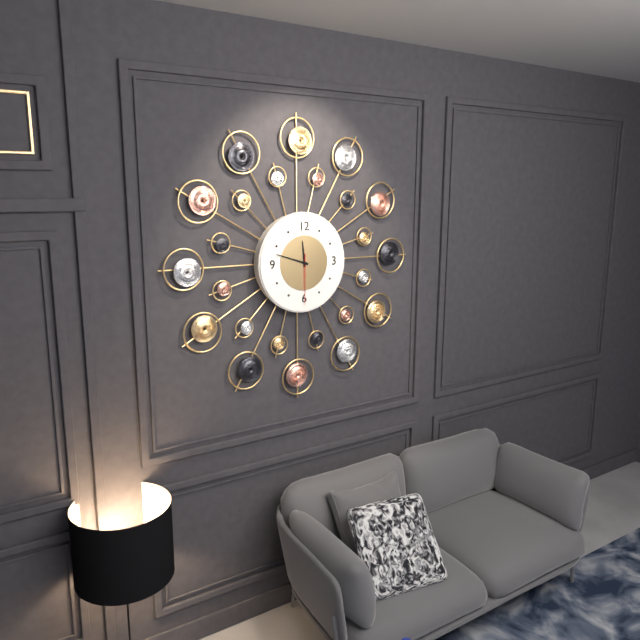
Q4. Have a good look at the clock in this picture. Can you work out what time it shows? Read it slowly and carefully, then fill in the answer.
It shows 11:48:30
